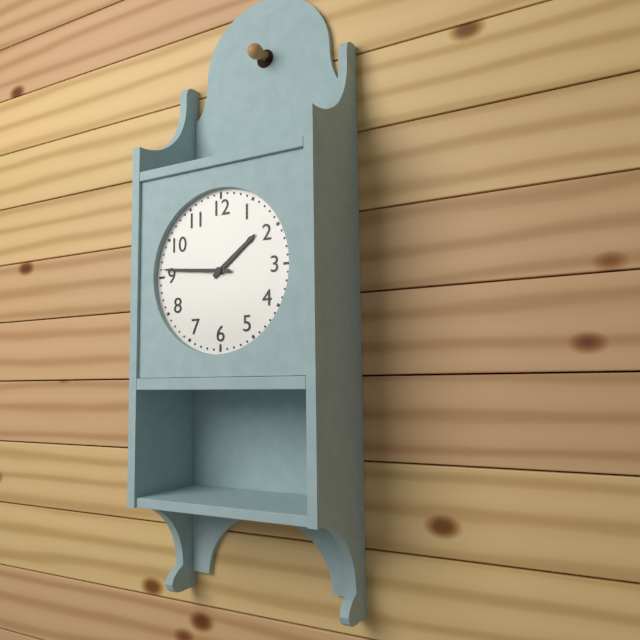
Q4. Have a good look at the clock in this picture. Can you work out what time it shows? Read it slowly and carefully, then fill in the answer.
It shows 1:46
